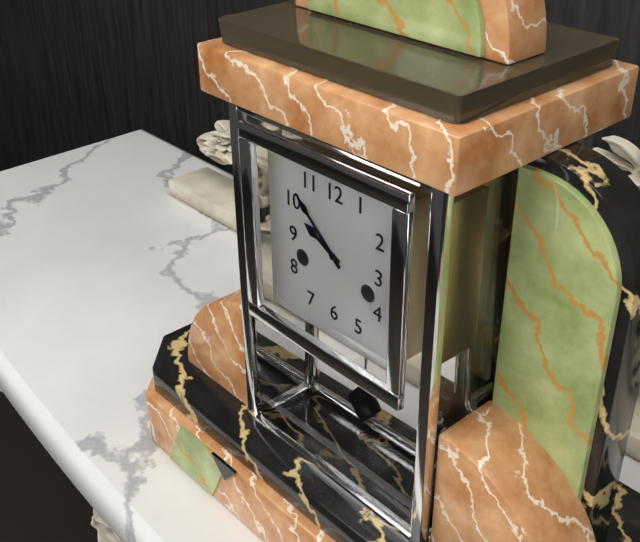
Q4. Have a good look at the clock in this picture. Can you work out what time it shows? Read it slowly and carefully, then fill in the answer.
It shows 9:52
